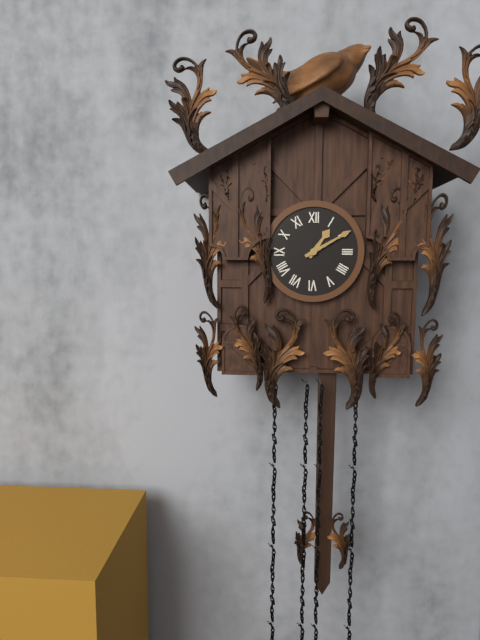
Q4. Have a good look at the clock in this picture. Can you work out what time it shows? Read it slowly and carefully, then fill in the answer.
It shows 1:10
